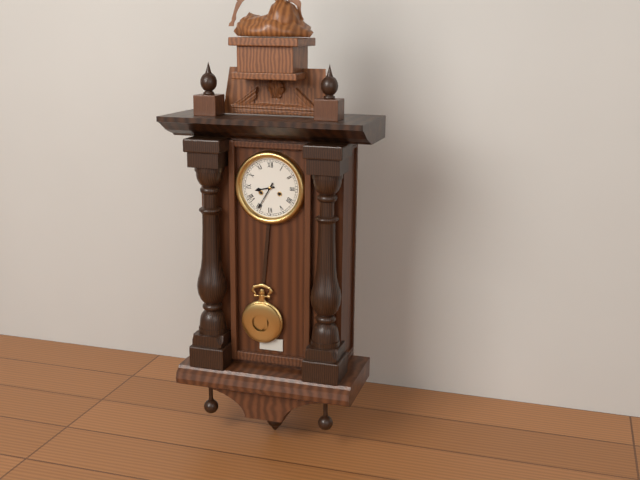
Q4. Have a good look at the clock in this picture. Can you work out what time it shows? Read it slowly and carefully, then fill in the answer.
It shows 8:35
